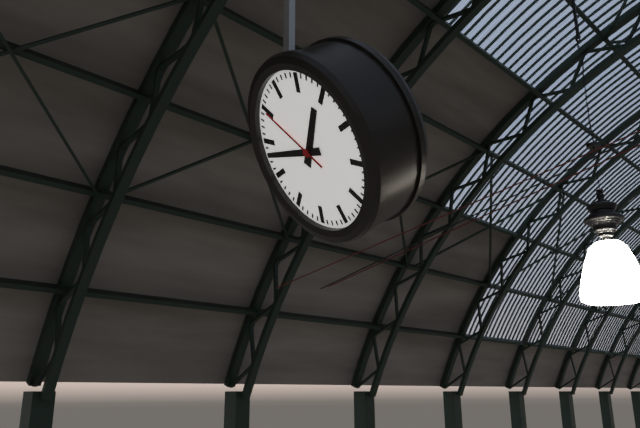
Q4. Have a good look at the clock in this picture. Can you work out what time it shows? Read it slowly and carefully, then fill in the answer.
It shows 1:48:55
